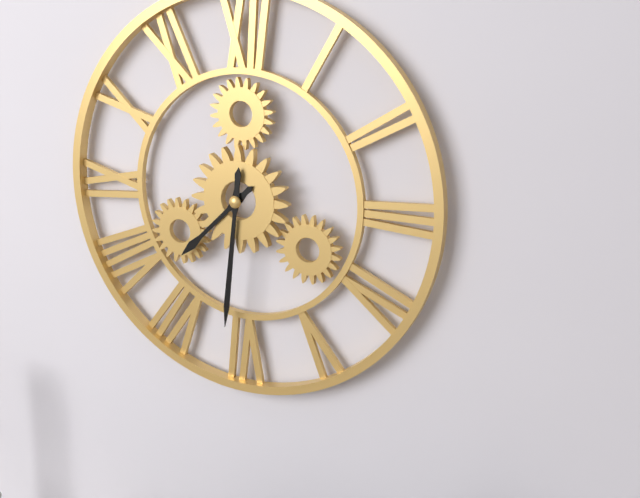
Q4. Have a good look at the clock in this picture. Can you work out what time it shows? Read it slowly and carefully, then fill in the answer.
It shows 7:31
